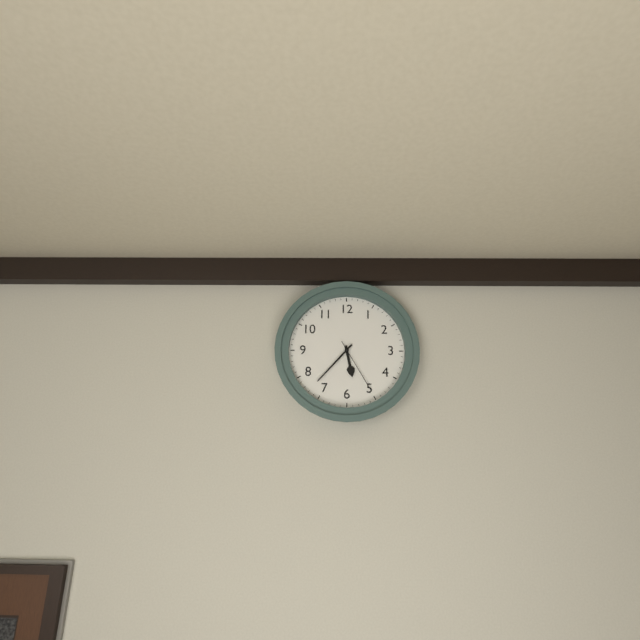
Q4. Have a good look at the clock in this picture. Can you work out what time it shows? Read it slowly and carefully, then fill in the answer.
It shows 5:37:25
